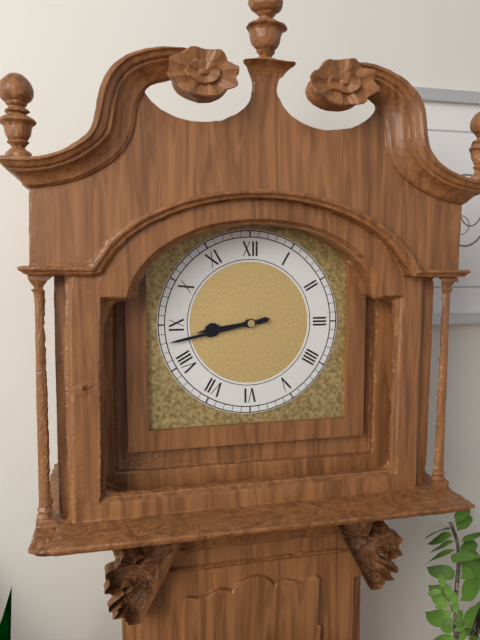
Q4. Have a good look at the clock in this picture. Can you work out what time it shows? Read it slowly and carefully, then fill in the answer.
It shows 8:43
